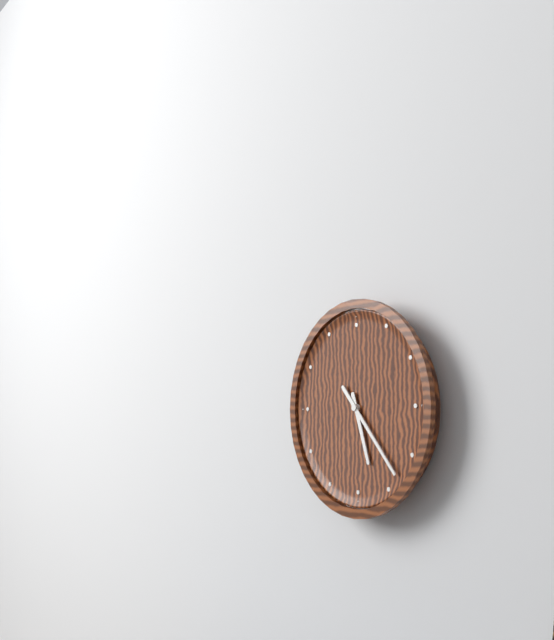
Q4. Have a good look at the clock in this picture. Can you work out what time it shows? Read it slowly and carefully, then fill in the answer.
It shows 5:23
